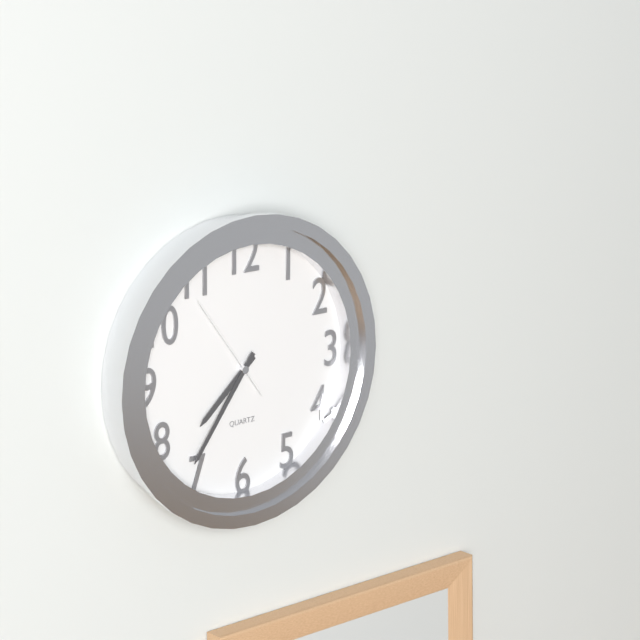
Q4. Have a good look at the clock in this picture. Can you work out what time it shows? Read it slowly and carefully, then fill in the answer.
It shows 7:36:54
